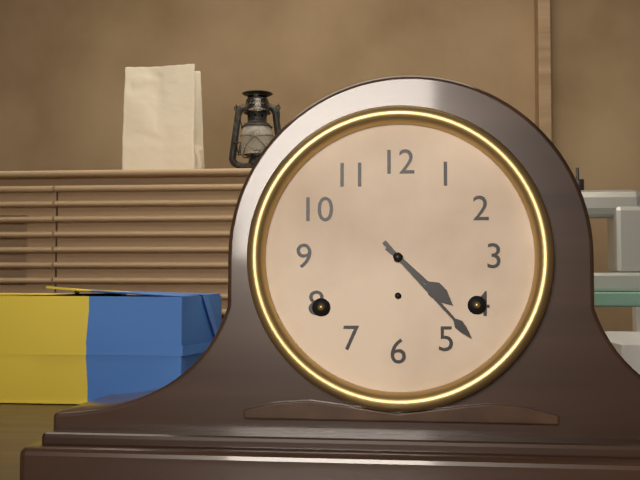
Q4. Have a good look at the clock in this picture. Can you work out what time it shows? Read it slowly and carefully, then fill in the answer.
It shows 4:23
